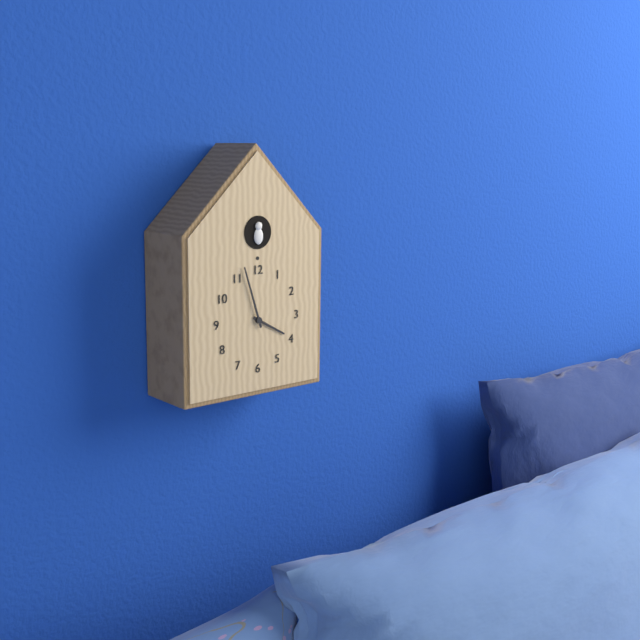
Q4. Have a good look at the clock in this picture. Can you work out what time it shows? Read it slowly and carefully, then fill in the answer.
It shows 3:57
